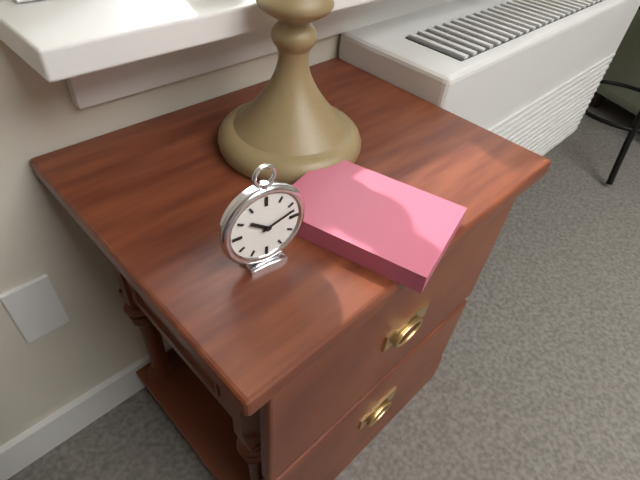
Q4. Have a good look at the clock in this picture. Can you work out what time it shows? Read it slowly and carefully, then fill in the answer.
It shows 10:12
